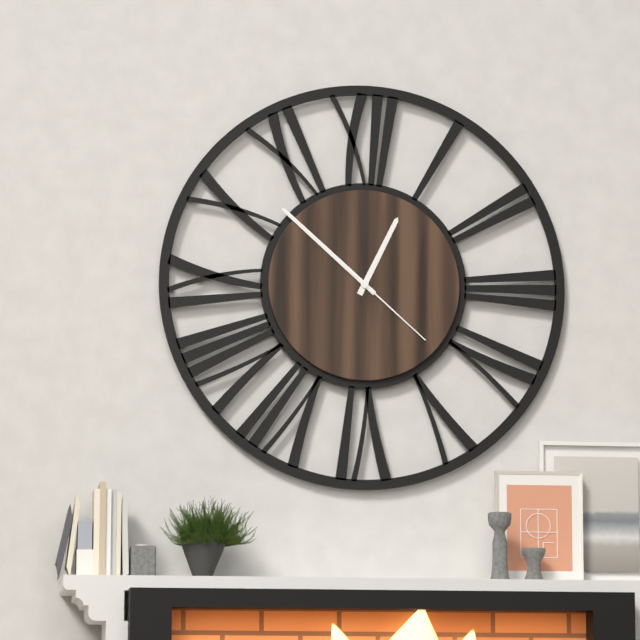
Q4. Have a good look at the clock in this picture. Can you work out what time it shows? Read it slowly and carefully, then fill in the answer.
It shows 12:52:22
